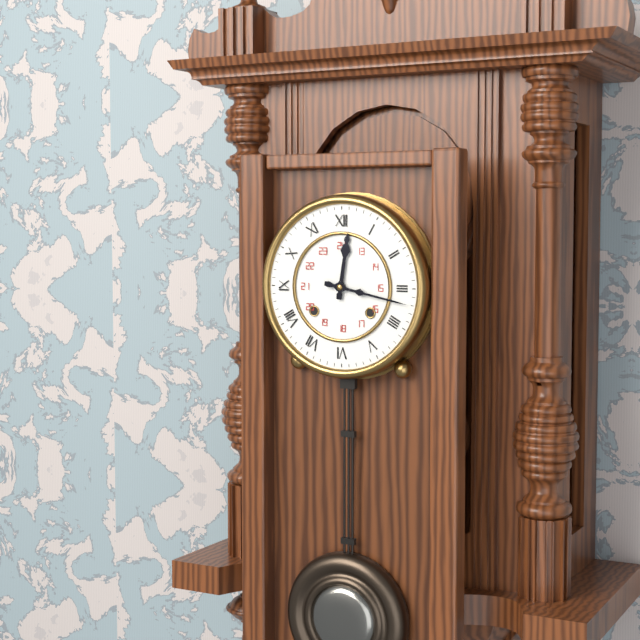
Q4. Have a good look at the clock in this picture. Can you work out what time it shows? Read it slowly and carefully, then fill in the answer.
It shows 12:17
